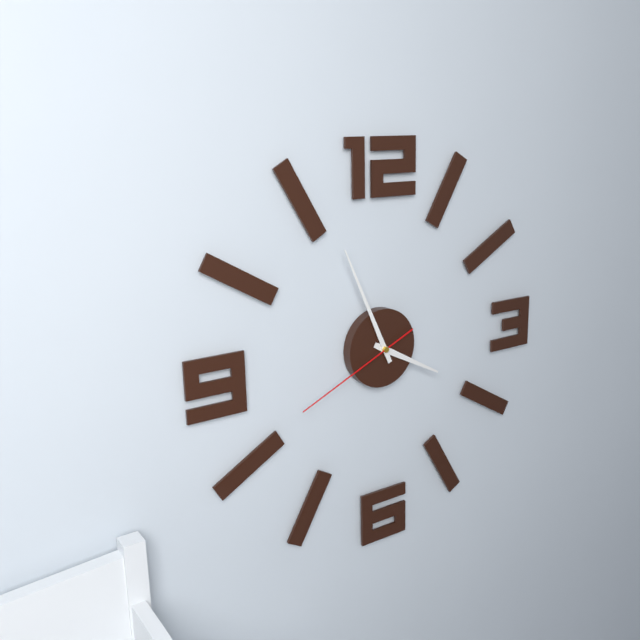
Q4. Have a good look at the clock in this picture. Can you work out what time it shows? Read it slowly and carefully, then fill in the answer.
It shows 3:56:41
